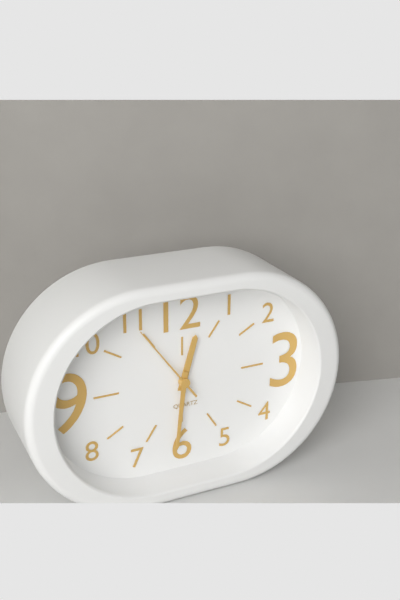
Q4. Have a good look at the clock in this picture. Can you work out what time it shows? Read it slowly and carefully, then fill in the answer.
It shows 12:31:54
